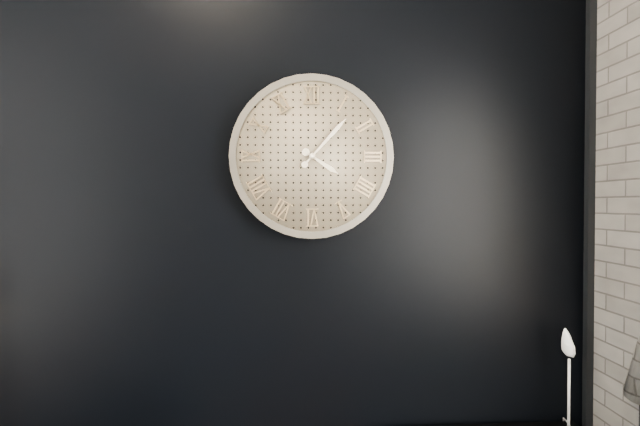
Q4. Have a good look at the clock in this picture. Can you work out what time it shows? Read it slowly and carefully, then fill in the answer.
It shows 4:07
